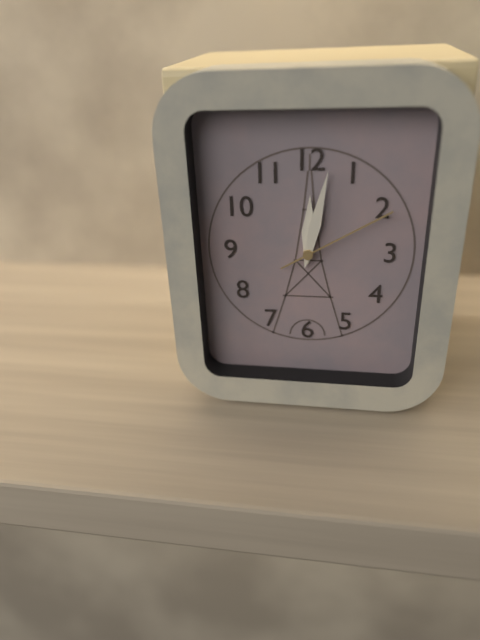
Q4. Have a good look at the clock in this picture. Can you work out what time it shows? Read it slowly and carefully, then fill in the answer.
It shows 12:02:10
